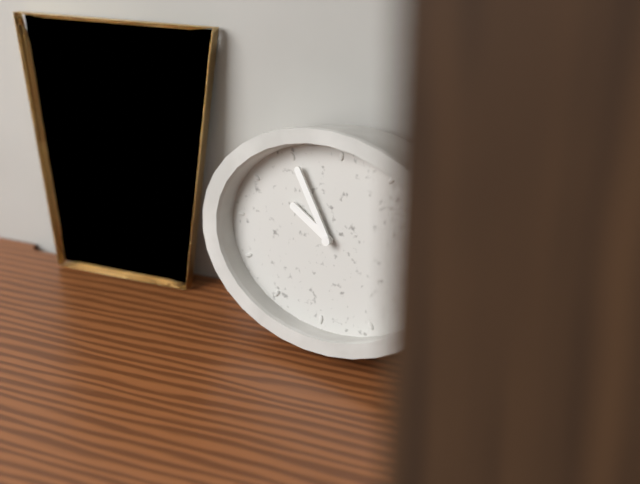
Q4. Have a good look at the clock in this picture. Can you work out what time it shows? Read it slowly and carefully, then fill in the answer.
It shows 9:54
